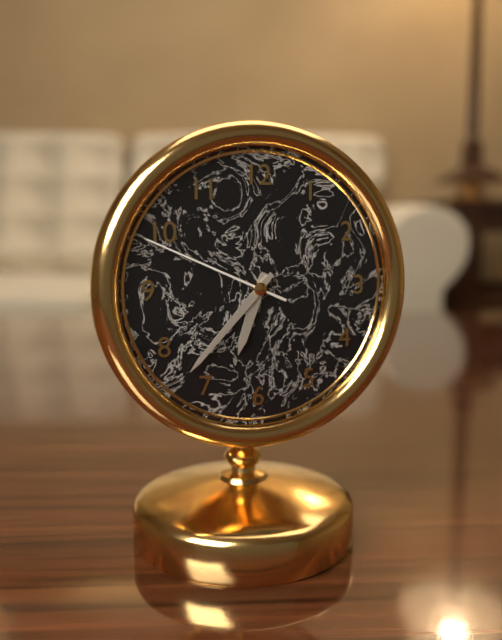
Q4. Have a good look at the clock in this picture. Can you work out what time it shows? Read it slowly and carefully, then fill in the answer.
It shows 6:37:49
